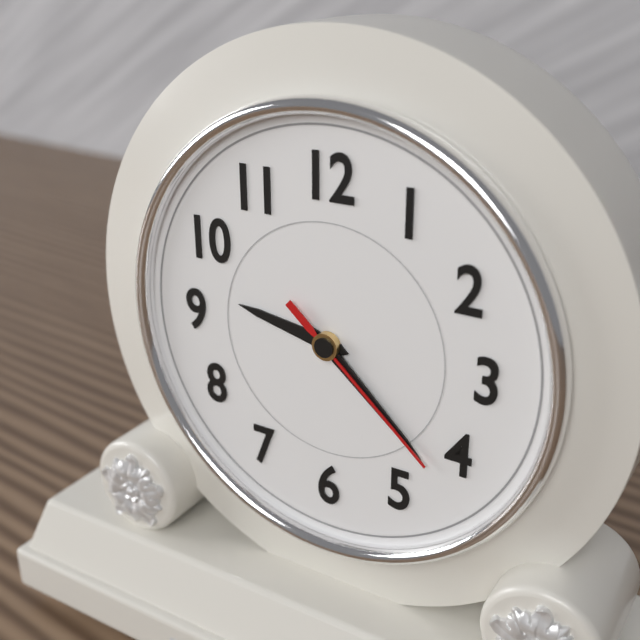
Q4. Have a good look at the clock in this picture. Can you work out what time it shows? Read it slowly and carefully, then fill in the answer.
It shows 9:22:22
